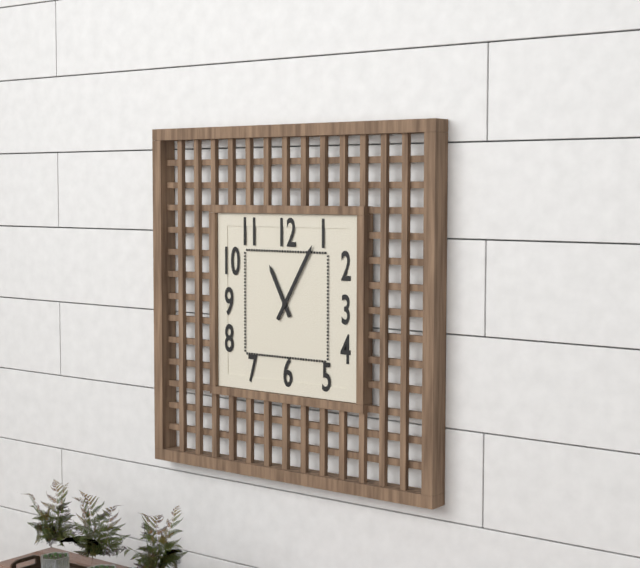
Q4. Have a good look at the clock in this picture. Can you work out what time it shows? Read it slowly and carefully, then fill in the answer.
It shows 11:05
